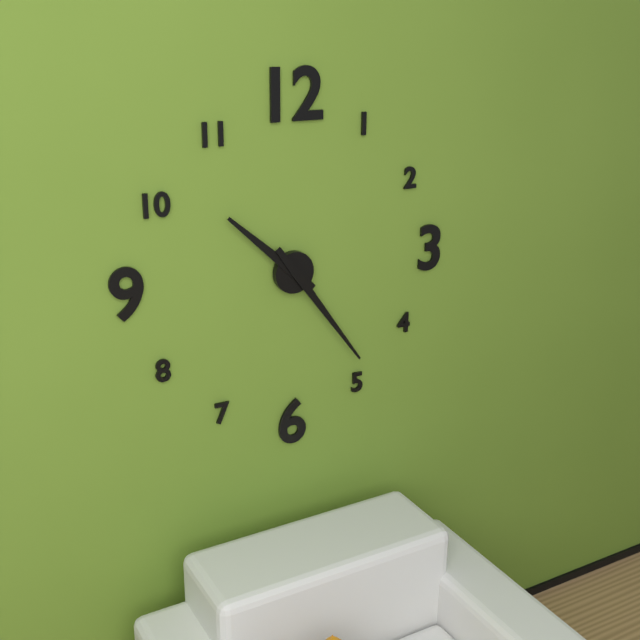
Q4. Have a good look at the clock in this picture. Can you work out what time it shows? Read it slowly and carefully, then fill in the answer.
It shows 10:24
